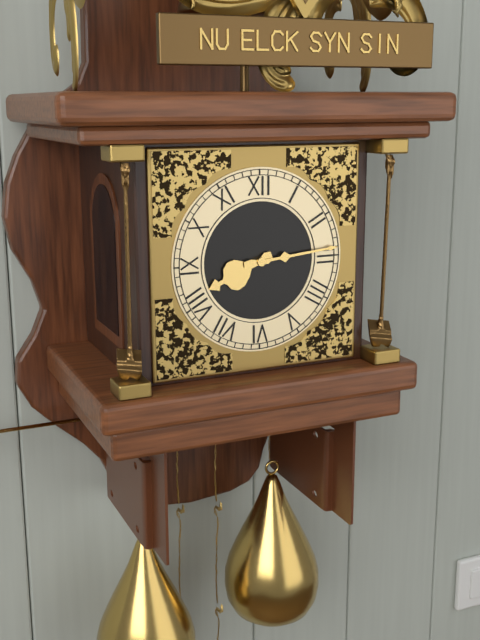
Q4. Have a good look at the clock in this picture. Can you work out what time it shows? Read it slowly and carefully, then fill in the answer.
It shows 8:14
